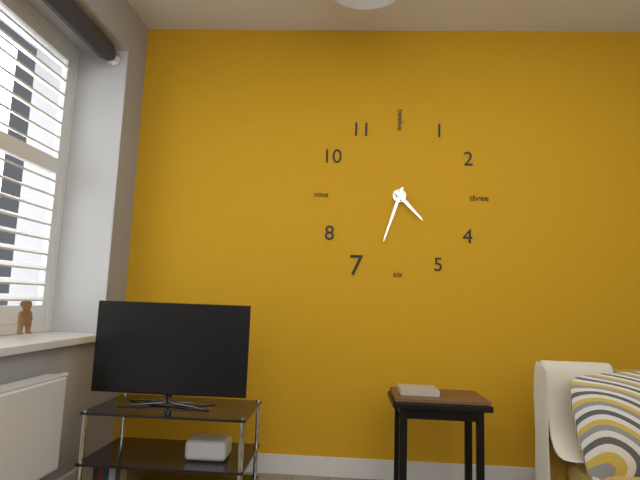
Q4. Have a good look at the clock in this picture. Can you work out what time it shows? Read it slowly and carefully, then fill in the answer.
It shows 4:33
